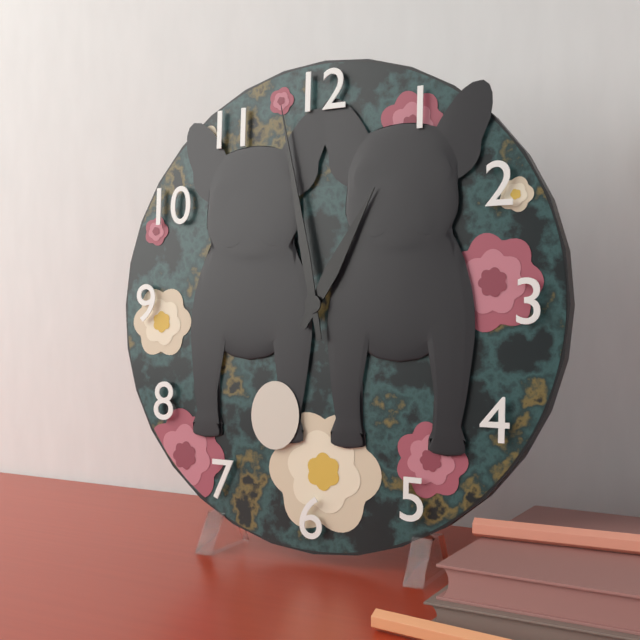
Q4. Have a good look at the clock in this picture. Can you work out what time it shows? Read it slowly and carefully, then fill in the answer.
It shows 12:58
